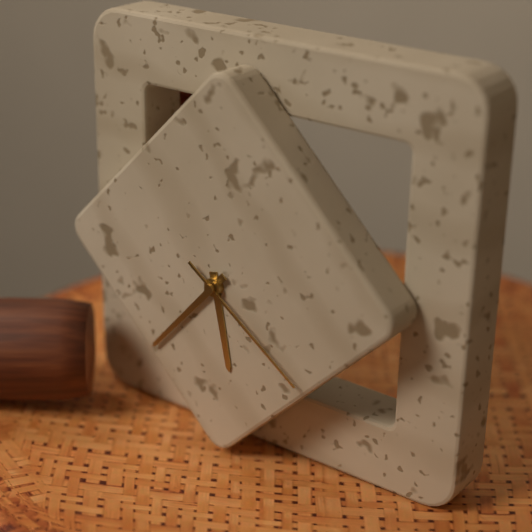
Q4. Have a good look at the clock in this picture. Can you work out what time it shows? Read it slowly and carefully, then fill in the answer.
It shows 5:37:21
